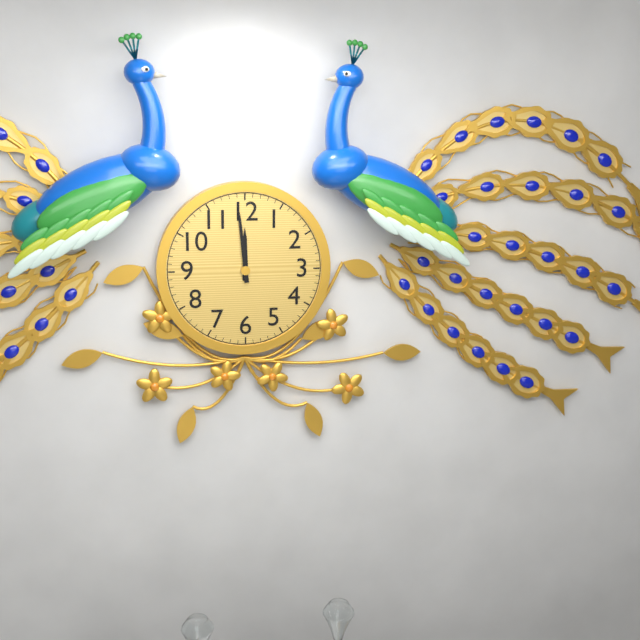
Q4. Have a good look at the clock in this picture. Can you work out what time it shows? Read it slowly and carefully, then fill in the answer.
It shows 11:59
